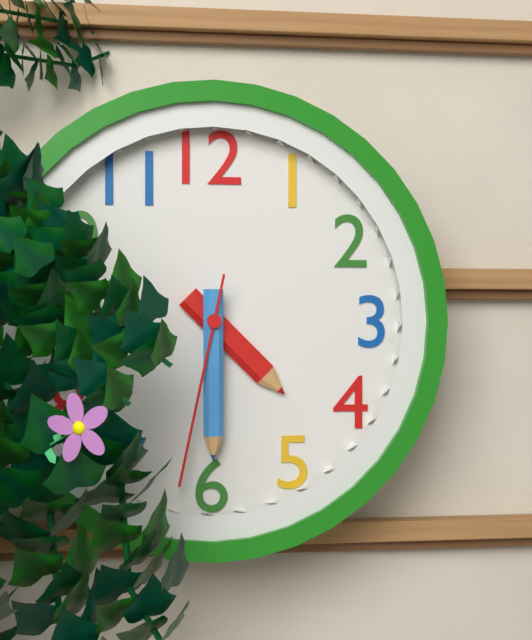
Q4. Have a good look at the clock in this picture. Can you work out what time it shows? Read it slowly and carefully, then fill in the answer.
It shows 4:30:32
